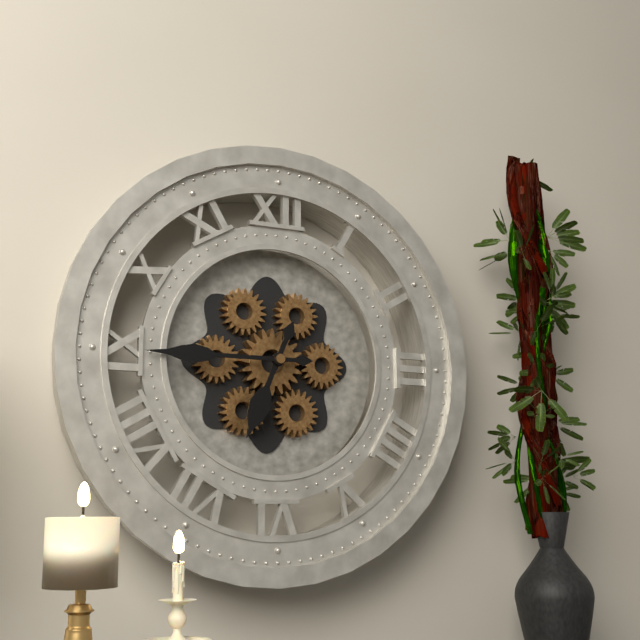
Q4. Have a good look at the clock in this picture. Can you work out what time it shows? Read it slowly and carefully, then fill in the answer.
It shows 6:45
